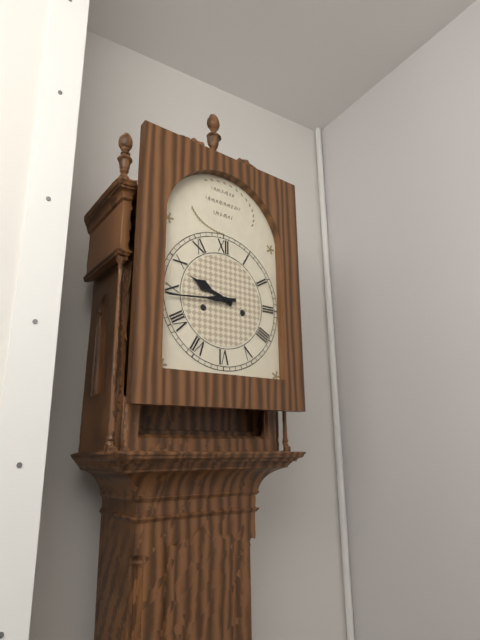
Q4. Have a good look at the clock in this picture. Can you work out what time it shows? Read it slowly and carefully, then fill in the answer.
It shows 9:44
